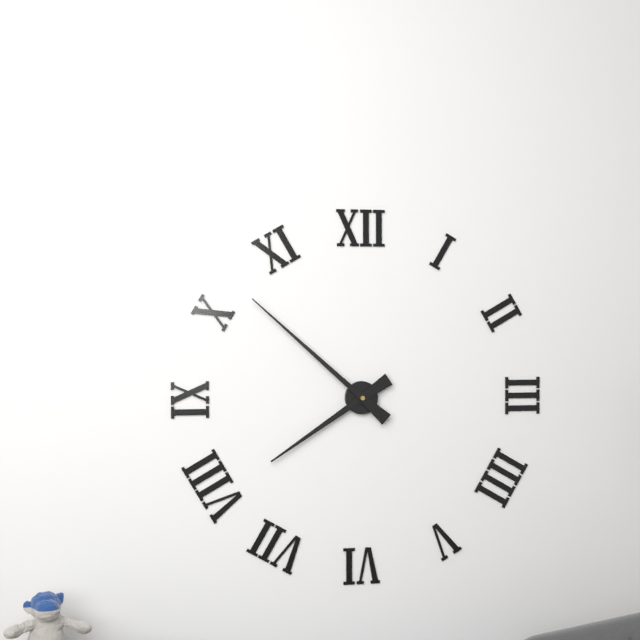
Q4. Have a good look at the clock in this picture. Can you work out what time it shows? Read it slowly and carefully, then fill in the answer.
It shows 7:52
